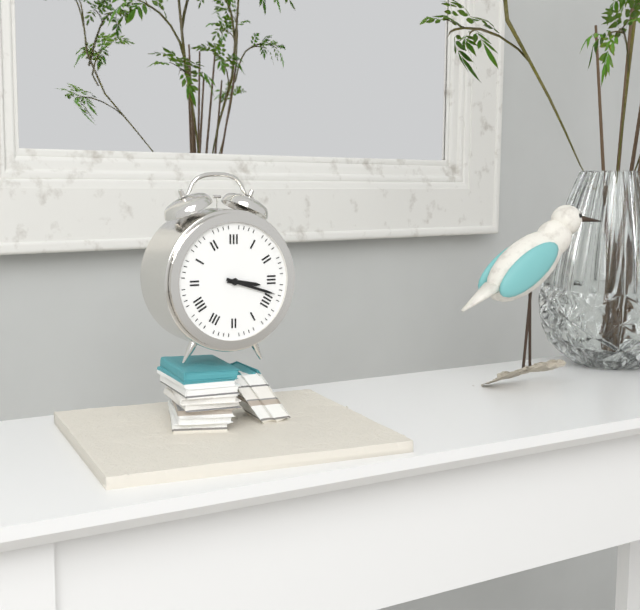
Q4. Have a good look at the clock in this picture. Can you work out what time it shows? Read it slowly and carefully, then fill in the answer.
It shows 3:18
